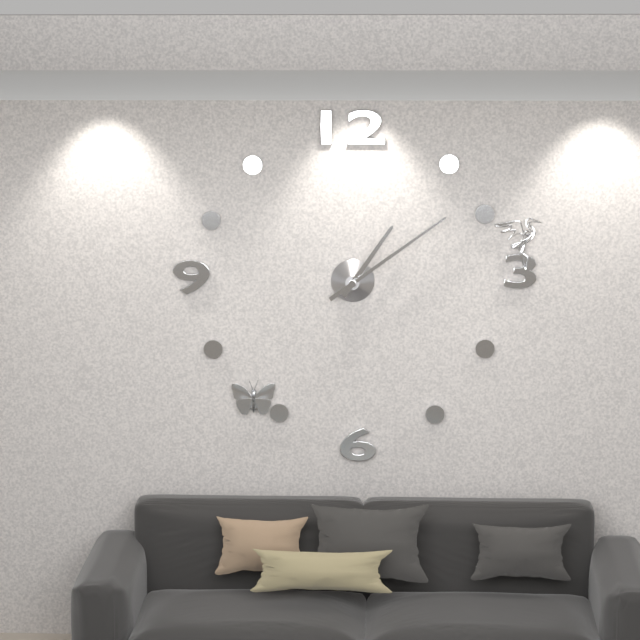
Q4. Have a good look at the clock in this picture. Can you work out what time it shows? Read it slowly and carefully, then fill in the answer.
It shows 1:09
